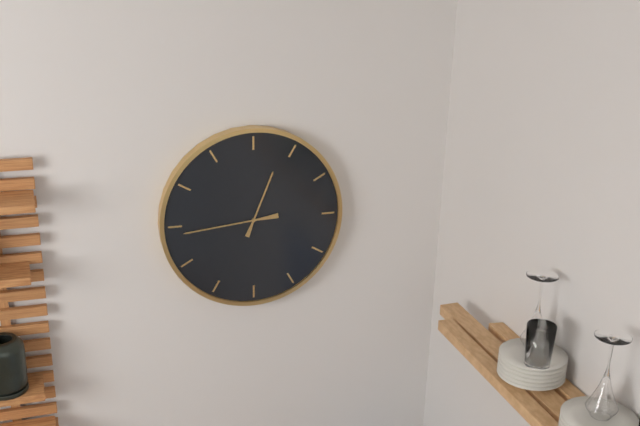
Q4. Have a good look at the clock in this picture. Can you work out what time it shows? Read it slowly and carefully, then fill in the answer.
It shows 12:44
